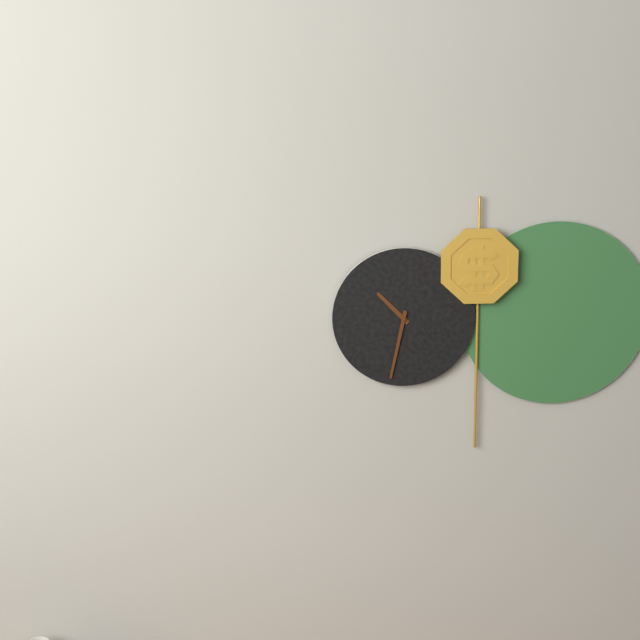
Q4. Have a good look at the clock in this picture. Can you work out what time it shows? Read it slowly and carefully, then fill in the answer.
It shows 10:32
